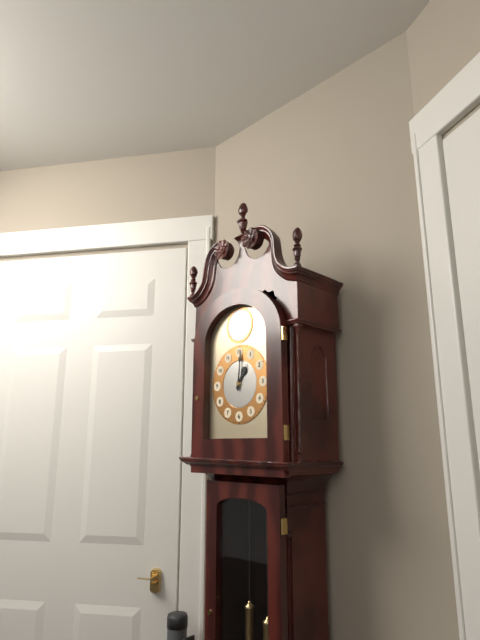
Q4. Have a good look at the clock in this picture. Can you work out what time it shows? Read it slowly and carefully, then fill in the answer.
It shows 1:01
